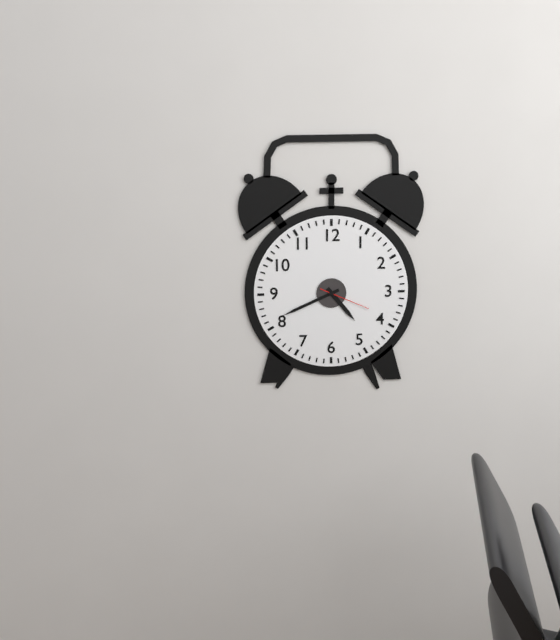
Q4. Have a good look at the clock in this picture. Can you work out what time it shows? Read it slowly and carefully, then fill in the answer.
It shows 4:41:19
